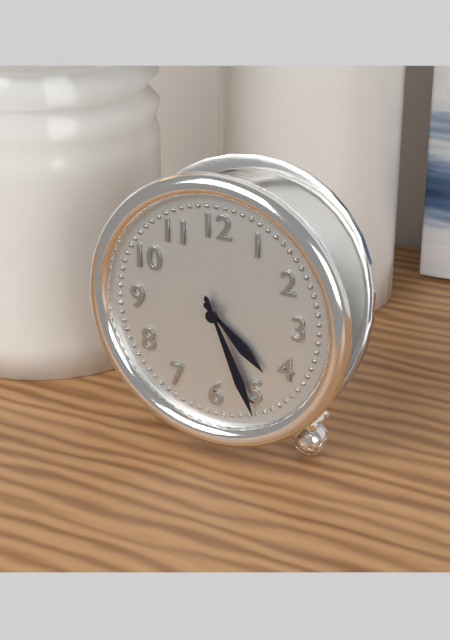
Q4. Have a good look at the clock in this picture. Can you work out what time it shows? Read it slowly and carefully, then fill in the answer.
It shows 4:26
